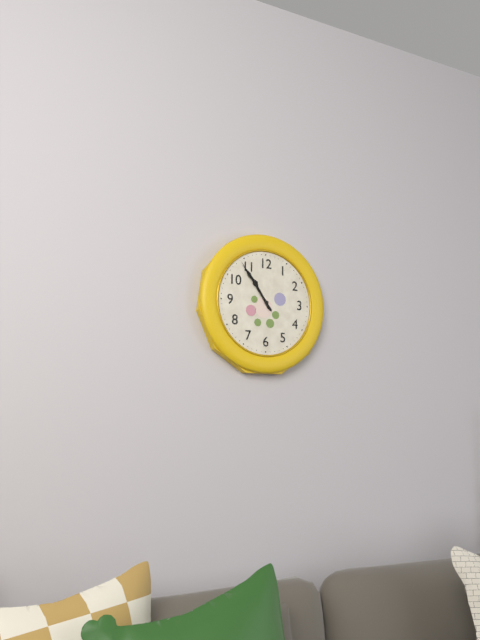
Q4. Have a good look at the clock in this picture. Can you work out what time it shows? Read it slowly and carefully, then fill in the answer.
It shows 10:54
